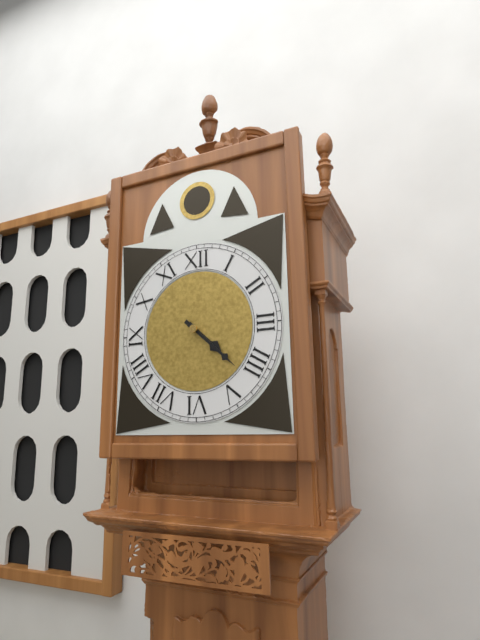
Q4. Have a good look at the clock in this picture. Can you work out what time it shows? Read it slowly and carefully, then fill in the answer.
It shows 4:22
